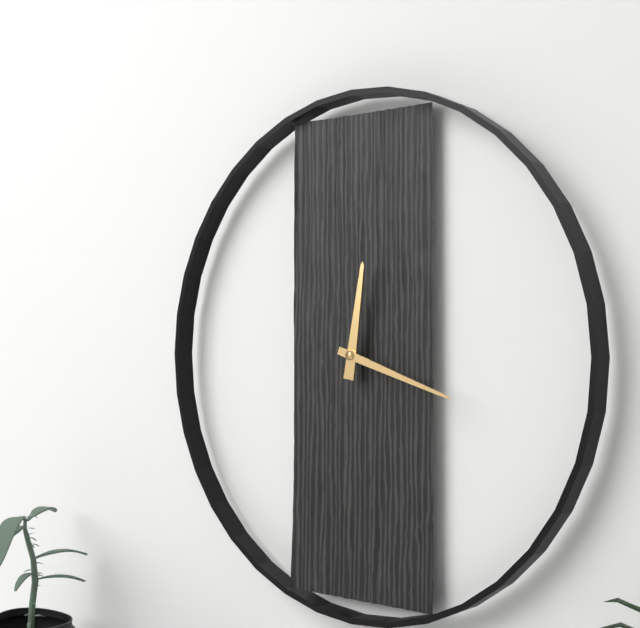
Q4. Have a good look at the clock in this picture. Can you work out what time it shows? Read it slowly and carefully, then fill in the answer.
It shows 12:18
